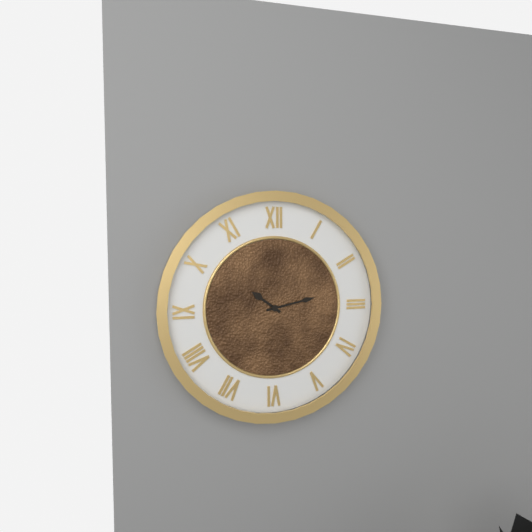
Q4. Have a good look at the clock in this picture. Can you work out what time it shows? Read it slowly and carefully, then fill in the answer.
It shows 10:13
